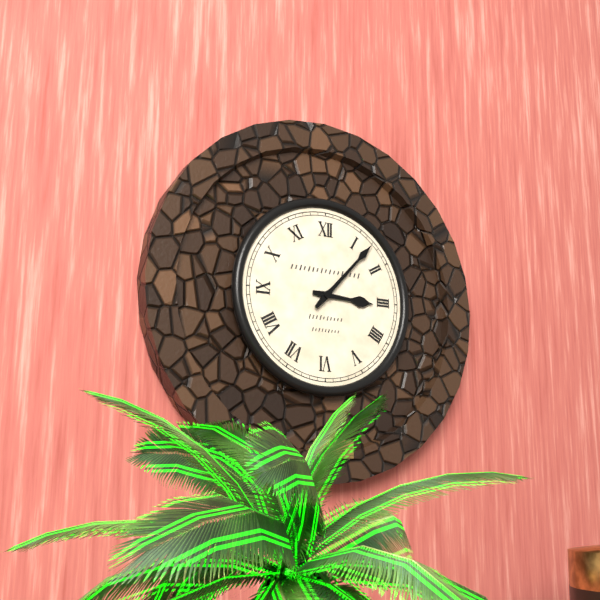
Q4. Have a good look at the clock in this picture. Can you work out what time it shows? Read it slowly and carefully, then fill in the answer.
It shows 3:07
